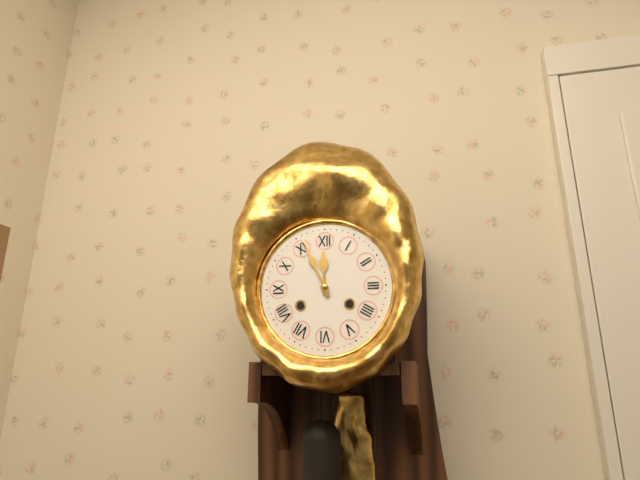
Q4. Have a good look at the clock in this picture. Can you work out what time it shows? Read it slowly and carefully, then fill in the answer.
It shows 11:56
